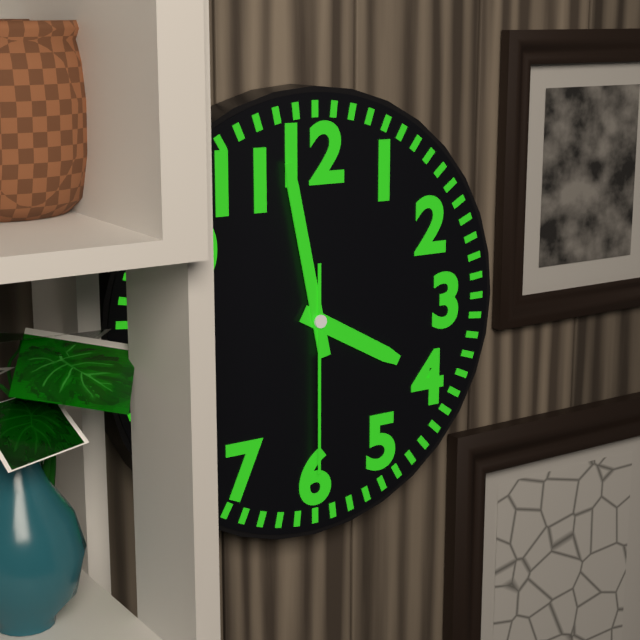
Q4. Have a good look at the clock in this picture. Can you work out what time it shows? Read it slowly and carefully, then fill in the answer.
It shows 3:58:30
